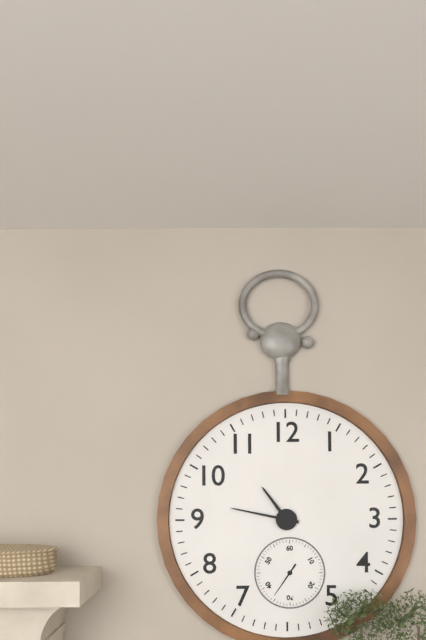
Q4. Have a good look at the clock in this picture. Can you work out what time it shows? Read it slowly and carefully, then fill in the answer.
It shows 10:47
